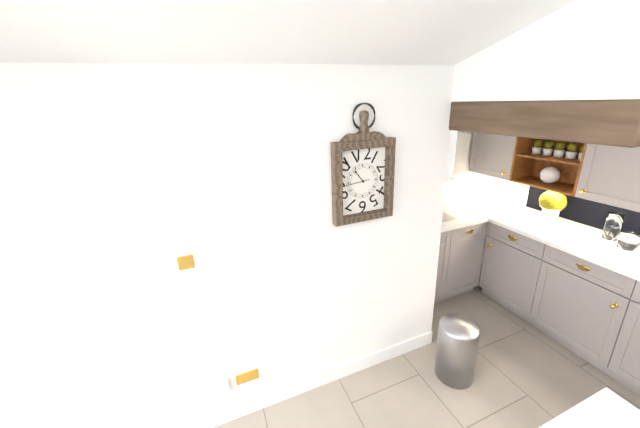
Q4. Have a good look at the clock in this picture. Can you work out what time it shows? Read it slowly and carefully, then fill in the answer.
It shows 10:44
